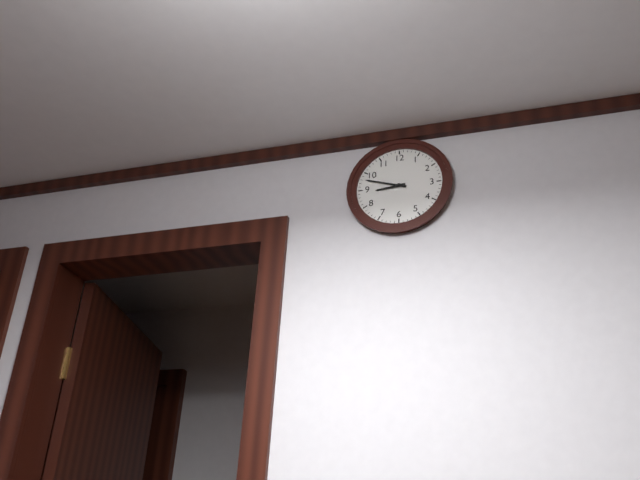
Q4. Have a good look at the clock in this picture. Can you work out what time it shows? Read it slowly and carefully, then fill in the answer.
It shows 8:48
